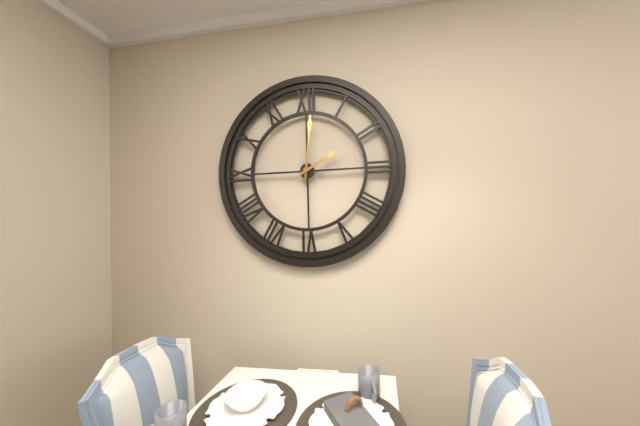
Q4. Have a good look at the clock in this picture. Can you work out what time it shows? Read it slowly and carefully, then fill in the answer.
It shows 2:01
